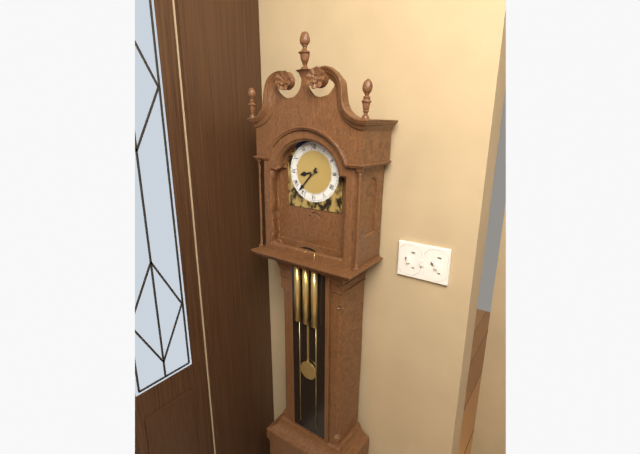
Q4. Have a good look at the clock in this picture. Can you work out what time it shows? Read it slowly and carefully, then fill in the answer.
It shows 8:37
